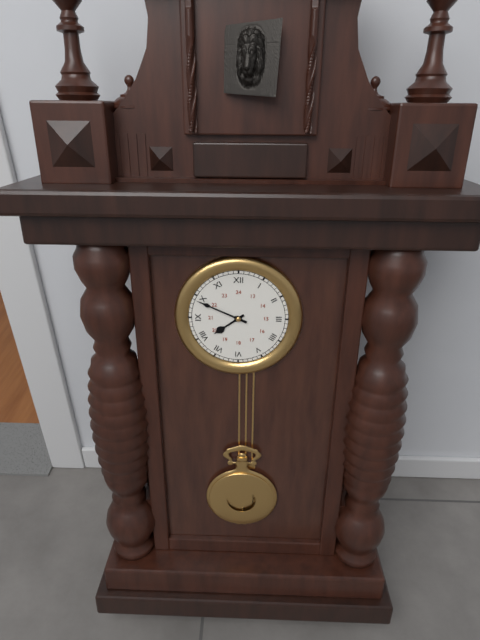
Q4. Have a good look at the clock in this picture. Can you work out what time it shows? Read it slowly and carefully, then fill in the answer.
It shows 7:49
